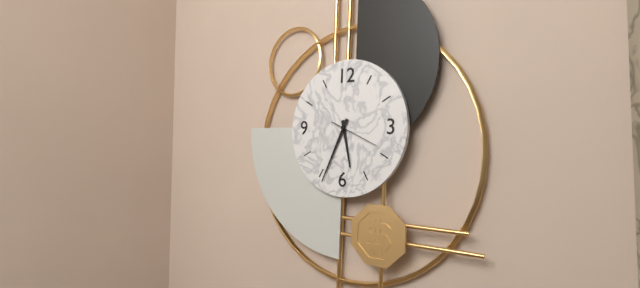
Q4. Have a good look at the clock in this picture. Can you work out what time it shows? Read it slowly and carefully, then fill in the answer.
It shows 5:34
